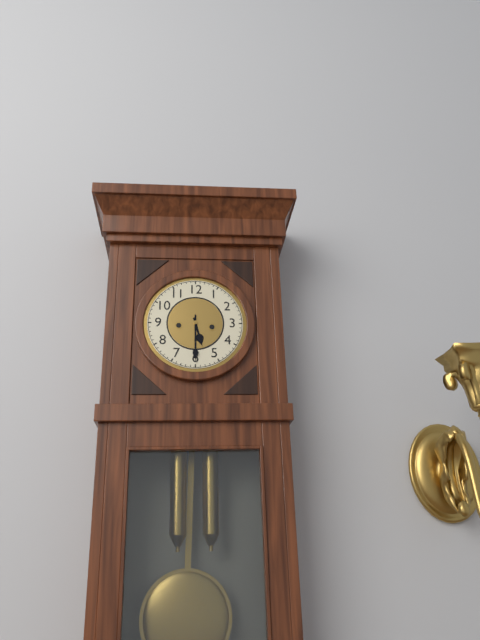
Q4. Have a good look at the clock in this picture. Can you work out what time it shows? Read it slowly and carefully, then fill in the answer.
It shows 5:30
